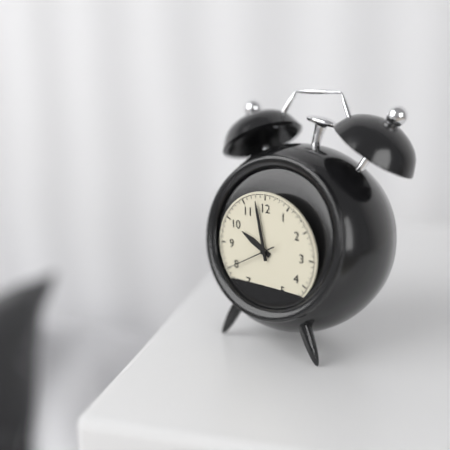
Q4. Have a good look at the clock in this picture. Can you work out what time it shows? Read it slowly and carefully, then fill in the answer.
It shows 9:58
